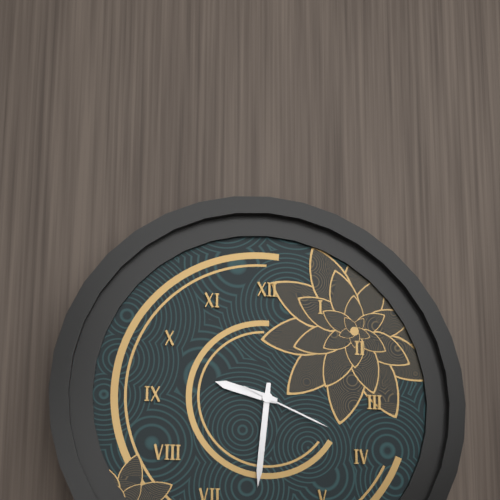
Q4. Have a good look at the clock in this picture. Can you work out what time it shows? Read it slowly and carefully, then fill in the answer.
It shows 9:31:19
